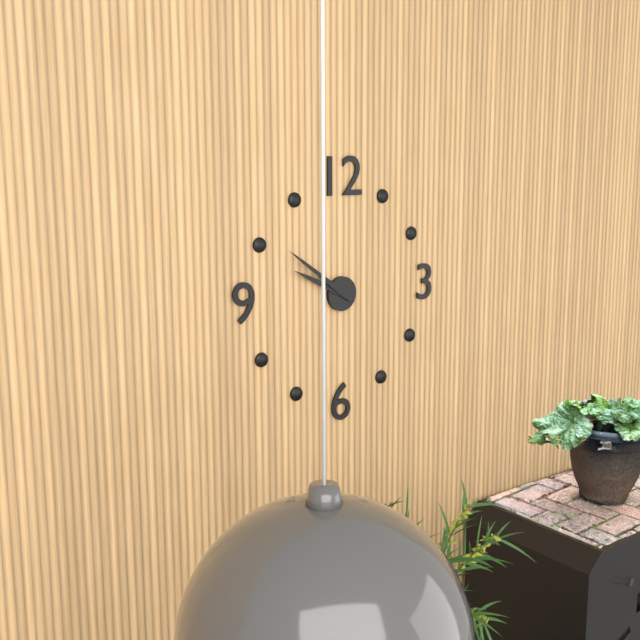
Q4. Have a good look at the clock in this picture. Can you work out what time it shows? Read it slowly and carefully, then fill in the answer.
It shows 9:51
